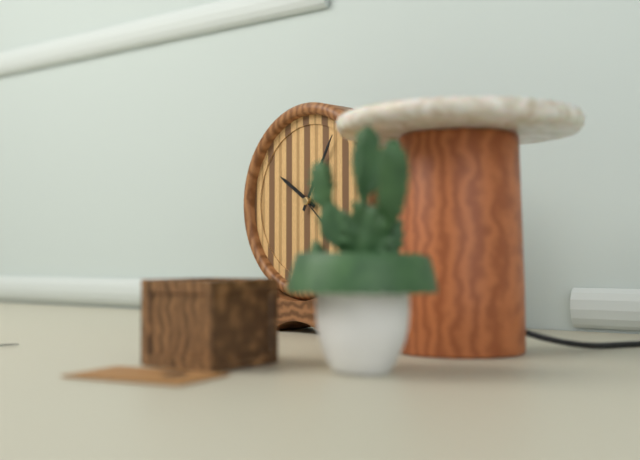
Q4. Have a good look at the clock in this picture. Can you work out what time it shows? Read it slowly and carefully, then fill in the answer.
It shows 10:05
